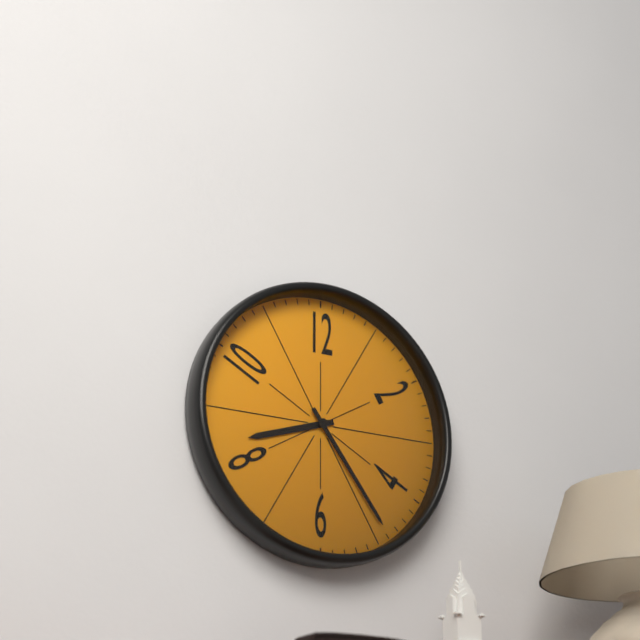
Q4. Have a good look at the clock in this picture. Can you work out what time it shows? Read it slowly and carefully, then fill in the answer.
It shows 8:24
